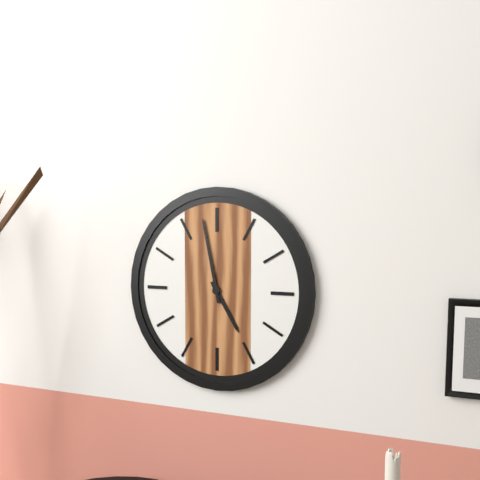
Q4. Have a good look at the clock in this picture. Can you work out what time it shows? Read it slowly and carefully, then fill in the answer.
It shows 4:58
